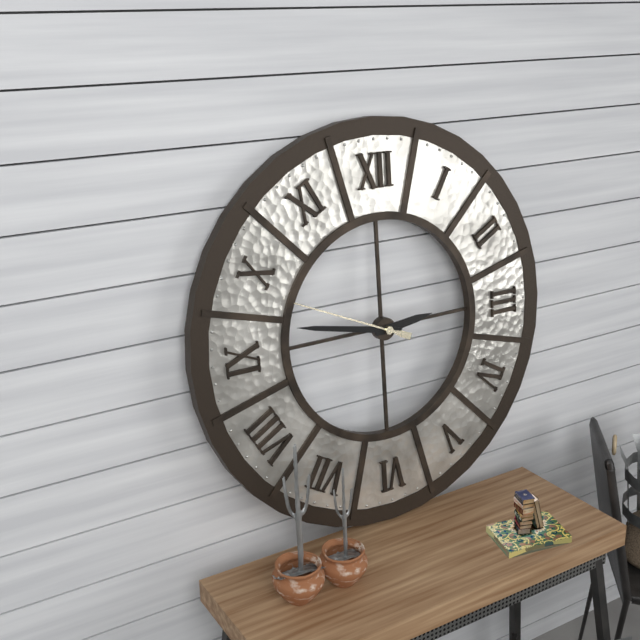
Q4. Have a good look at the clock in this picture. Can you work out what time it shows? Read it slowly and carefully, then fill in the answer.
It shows 2:47:49
